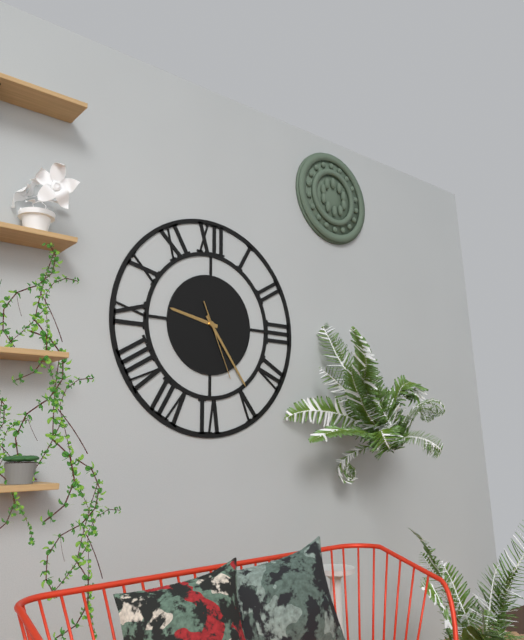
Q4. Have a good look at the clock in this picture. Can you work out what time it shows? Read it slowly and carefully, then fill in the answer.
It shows 9:24:26
